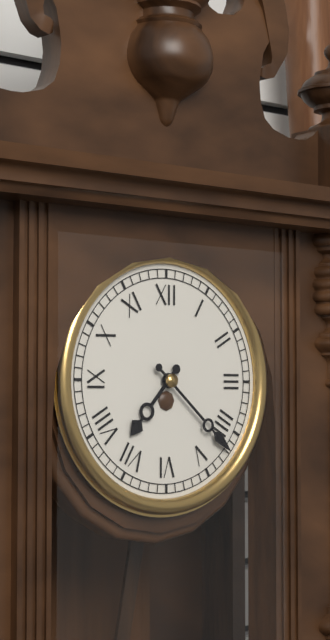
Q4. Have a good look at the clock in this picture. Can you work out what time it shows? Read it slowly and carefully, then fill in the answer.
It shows 7:22
